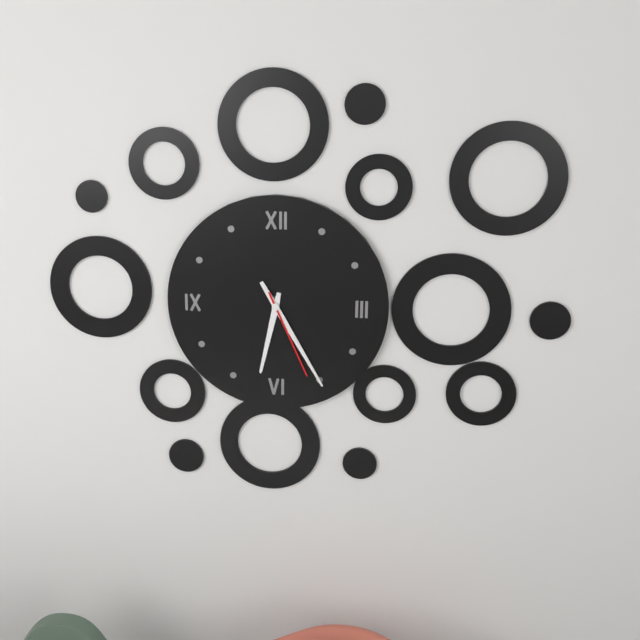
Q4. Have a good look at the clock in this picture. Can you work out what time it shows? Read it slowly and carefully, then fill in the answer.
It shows 6:25:26
